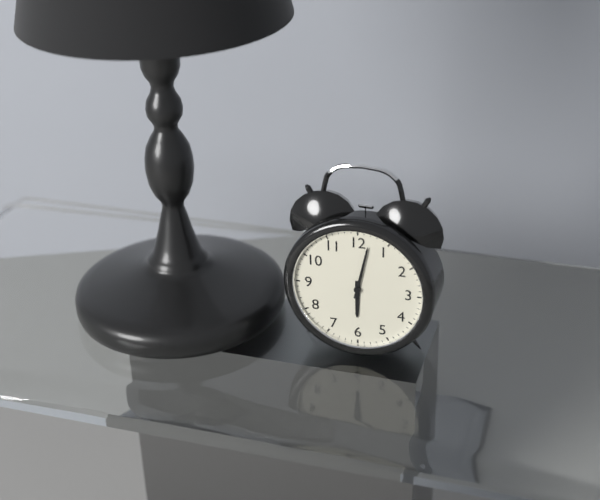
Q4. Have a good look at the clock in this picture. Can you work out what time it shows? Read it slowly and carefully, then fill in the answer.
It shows 6:02
